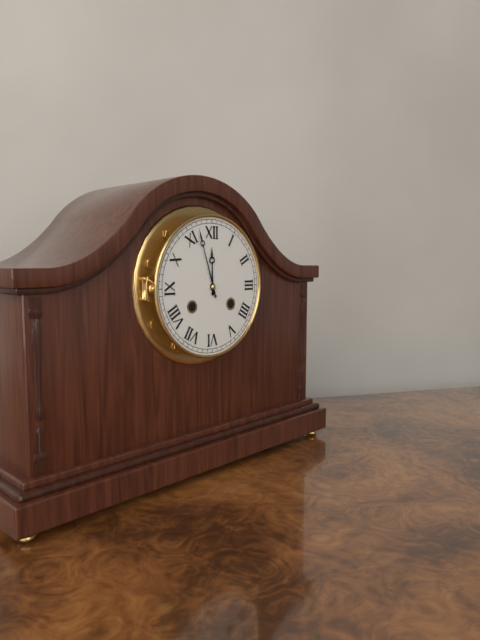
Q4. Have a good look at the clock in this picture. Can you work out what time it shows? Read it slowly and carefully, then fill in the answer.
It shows 11:57
